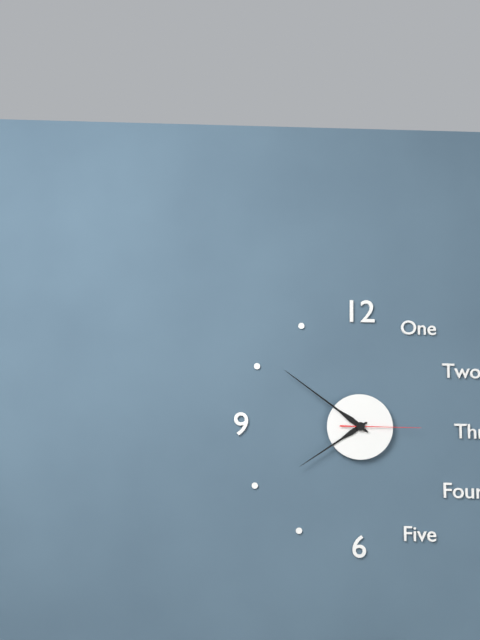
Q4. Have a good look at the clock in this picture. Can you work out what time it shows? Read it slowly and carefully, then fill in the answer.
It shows 7:51:15
